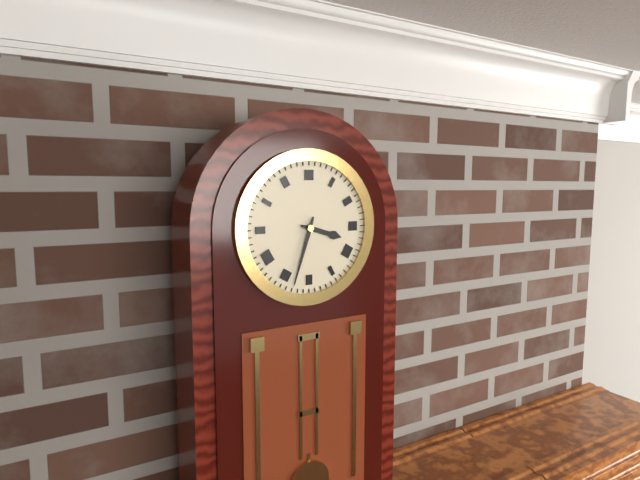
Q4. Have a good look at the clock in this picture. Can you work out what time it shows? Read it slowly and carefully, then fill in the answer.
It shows 3:33
